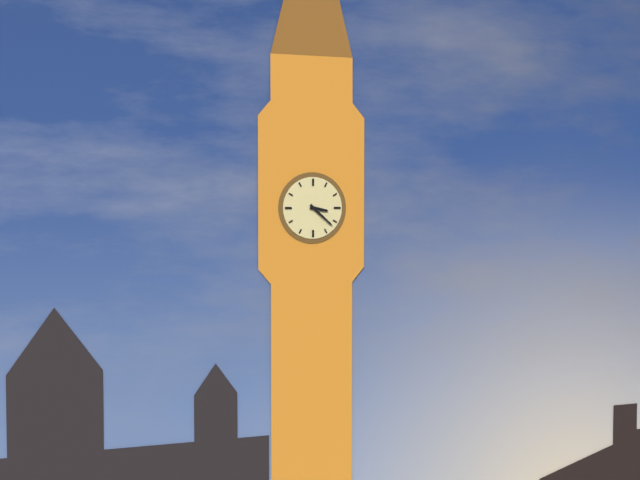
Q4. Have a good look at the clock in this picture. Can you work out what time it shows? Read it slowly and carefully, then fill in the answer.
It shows 3:22
